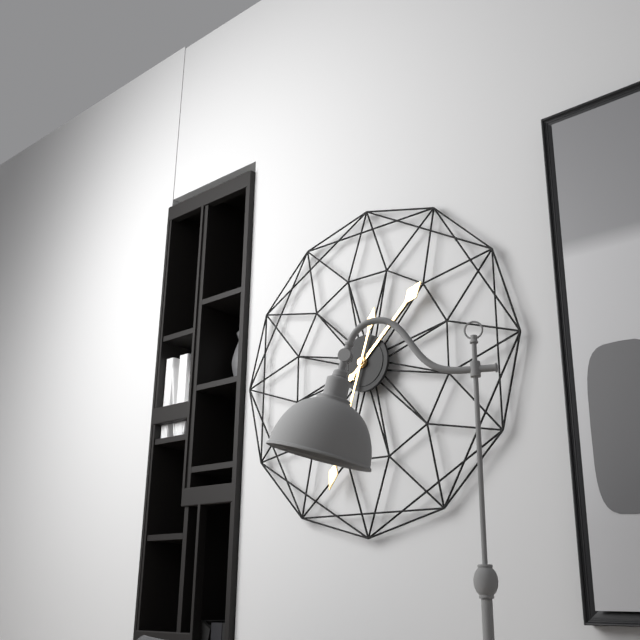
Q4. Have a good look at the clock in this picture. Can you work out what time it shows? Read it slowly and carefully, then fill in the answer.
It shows 1:33
